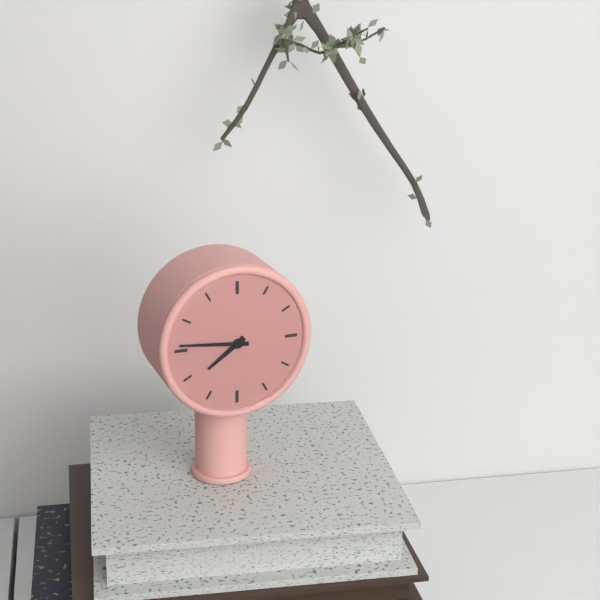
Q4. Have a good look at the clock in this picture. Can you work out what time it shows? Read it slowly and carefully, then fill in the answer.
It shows 7:46
